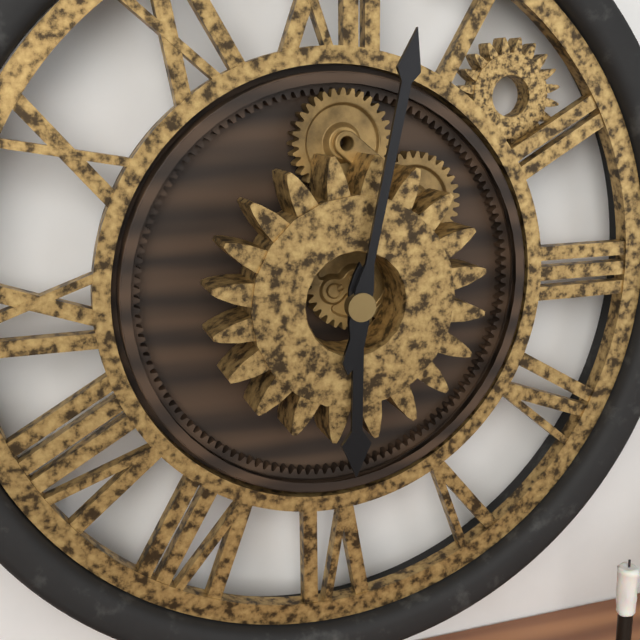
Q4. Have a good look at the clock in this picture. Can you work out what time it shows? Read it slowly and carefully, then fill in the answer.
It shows 6:02
